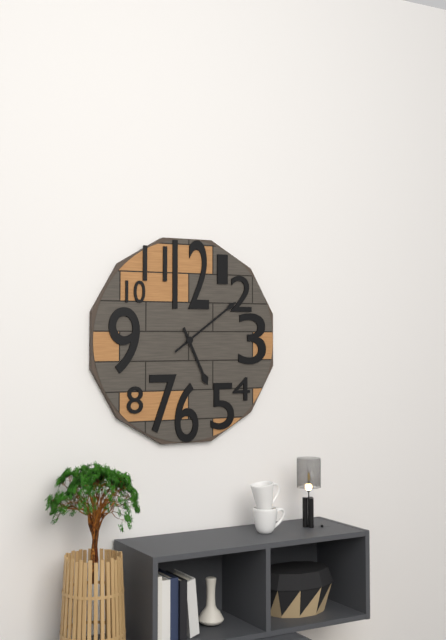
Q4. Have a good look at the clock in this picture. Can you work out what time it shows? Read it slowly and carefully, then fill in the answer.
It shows 5:09
